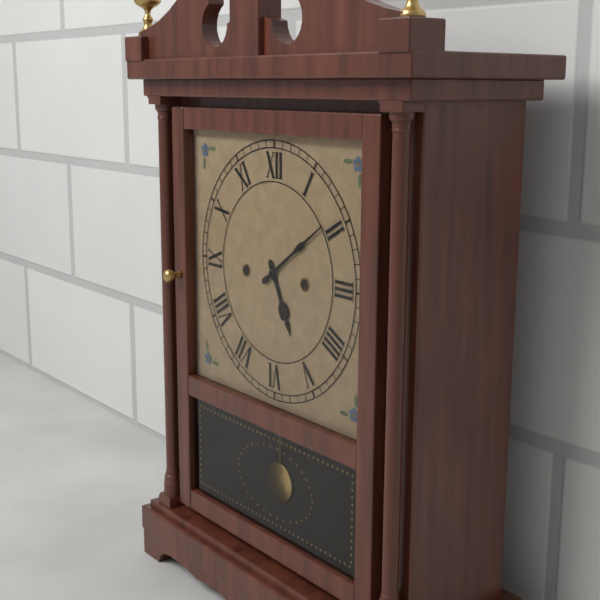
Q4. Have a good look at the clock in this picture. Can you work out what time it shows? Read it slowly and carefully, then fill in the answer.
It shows 5:09
